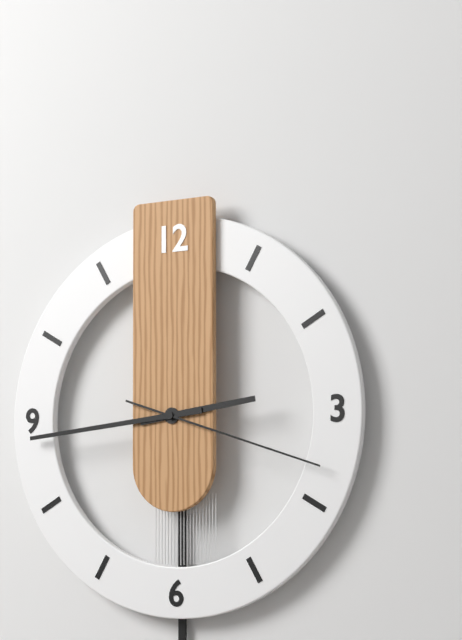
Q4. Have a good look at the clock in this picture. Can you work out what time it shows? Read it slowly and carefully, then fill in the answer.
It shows 2:44:18
